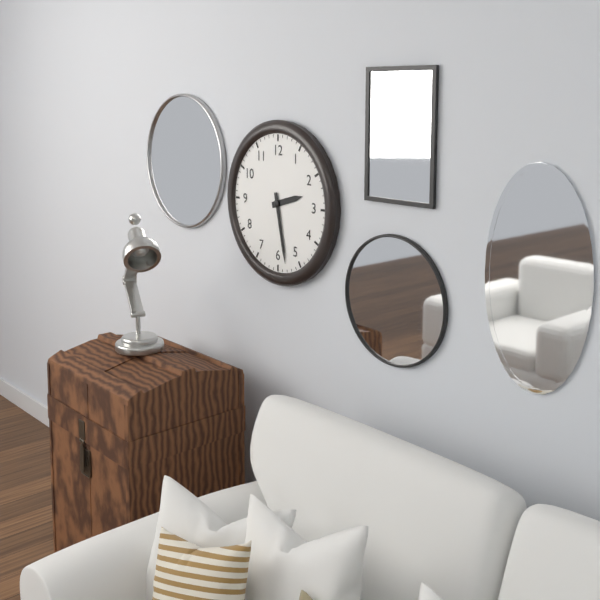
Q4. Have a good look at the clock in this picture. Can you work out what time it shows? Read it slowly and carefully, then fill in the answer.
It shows 2:28
